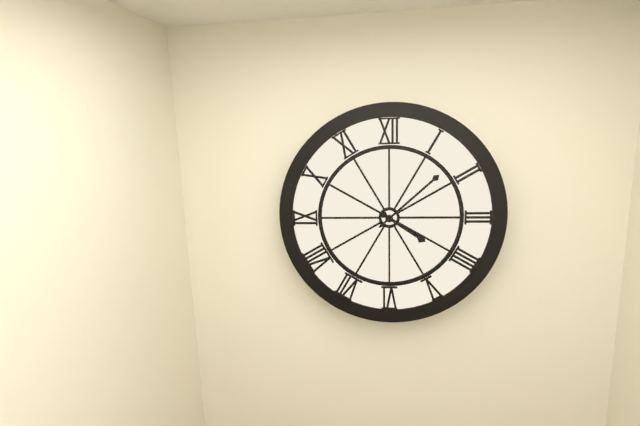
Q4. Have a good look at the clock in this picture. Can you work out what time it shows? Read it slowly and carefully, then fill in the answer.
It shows 4:08
